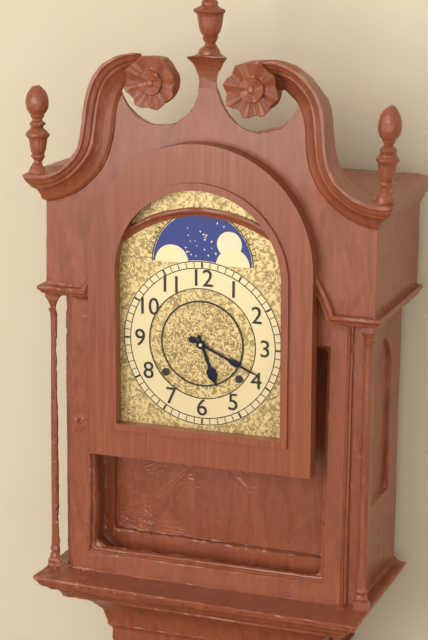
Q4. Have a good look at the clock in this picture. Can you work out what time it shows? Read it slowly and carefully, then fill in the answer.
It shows 5:19
